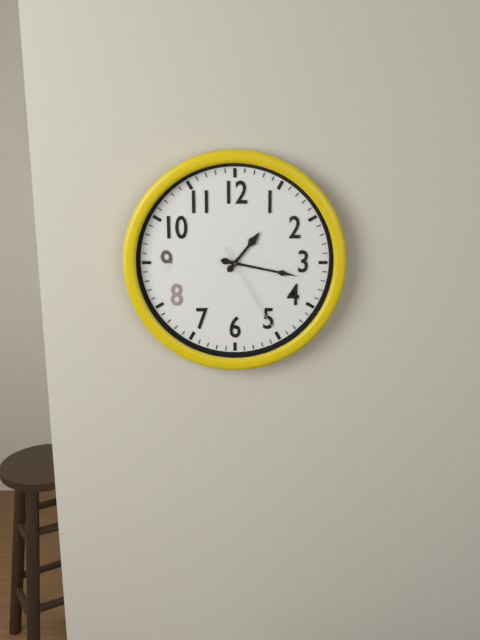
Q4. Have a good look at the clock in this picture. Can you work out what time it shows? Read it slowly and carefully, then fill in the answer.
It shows 1:17:25
